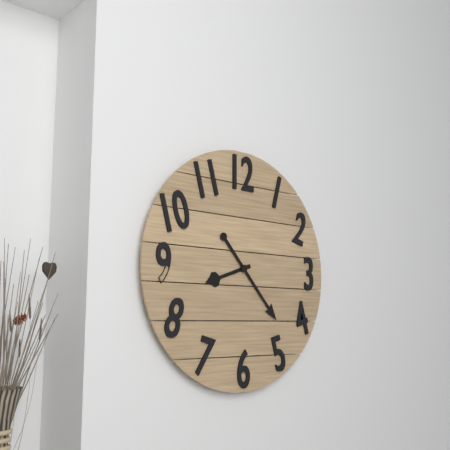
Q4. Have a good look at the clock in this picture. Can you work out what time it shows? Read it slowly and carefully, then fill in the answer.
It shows 8:23
